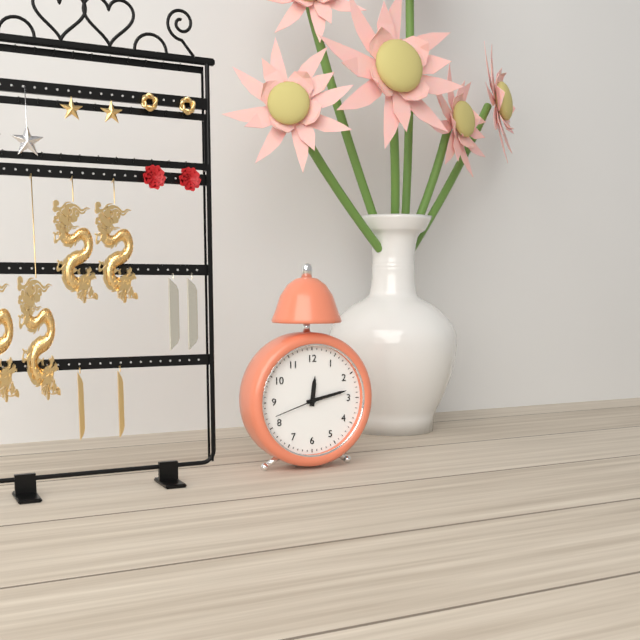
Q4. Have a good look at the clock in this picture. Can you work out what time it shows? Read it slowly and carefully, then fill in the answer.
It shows 12:13:42
